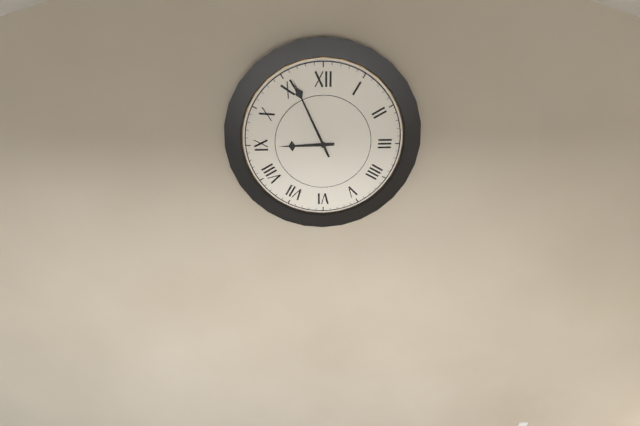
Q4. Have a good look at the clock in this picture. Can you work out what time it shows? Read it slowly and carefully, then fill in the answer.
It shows 8:56
